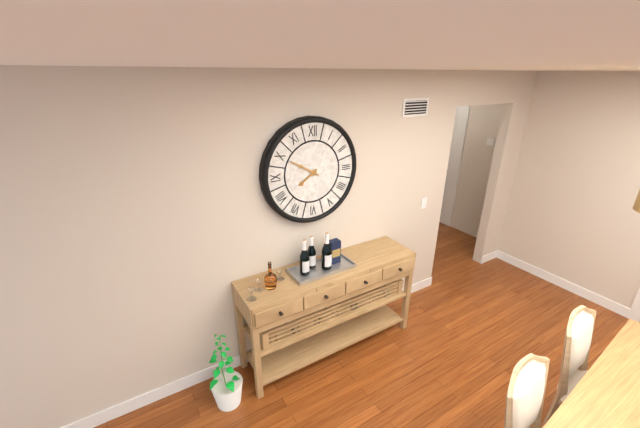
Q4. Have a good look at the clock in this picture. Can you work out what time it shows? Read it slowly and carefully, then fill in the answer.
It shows 7:50
